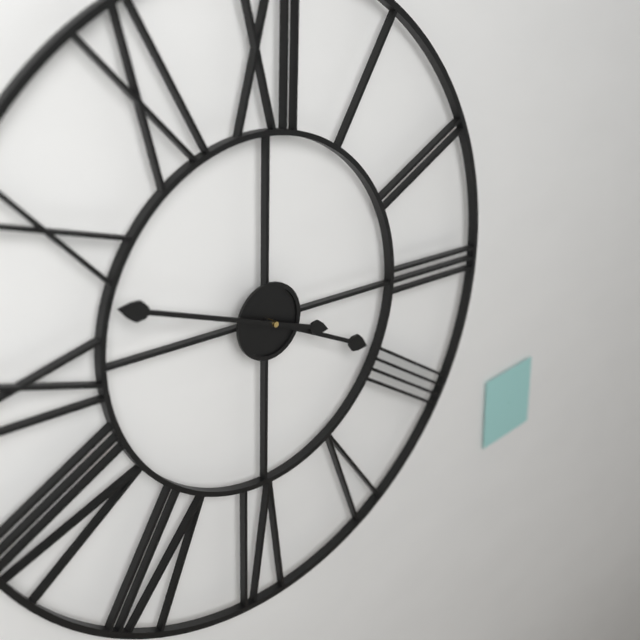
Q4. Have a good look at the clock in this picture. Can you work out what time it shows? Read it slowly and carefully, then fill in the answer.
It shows 3:48
